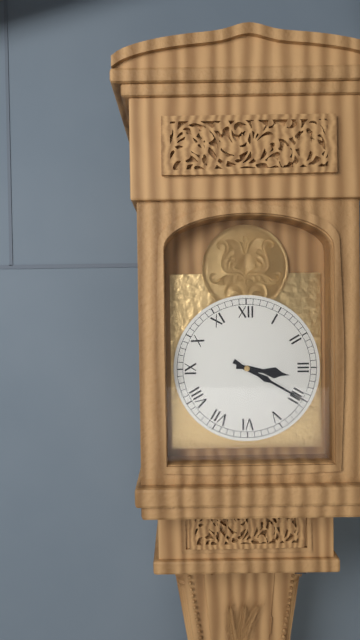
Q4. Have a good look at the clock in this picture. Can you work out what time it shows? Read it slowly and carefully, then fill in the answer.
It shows 3:20
